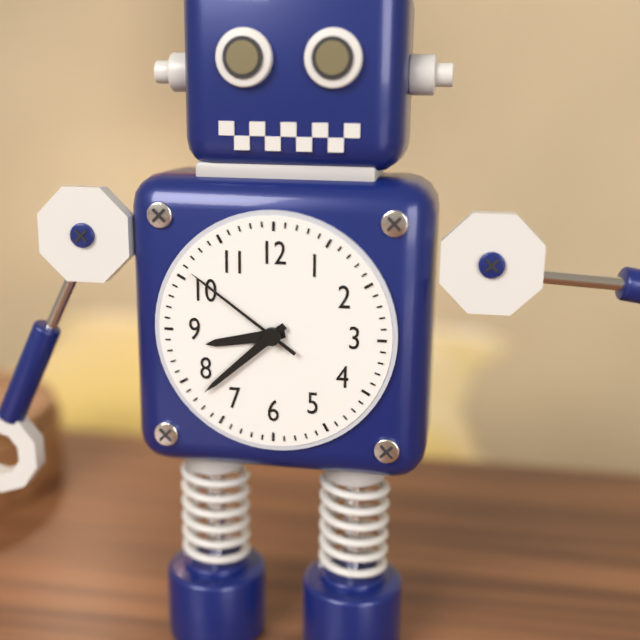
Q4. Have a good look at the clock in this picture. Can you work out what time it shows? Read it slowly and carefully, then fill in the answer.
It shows 8:38:51
